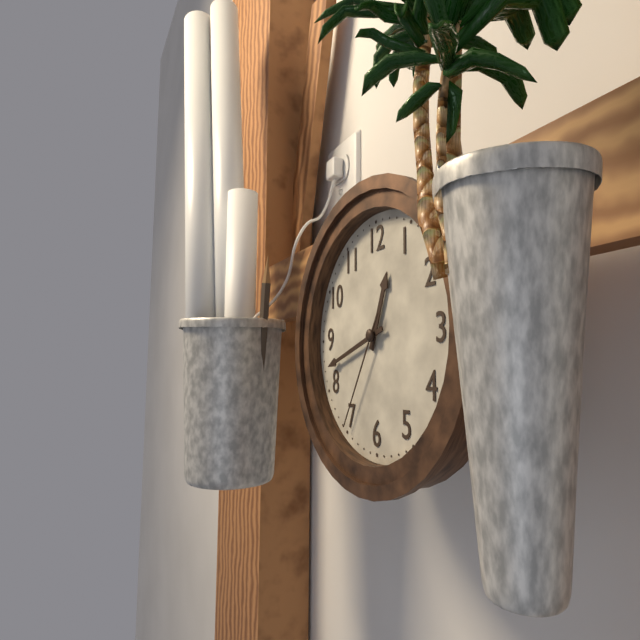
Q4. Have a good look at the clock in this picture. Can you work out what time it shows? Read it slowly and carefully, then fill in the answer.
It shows 12:42:35
